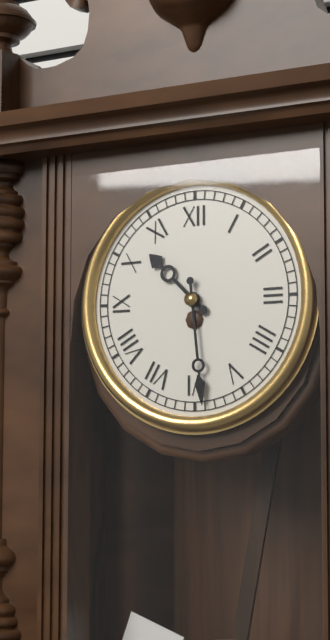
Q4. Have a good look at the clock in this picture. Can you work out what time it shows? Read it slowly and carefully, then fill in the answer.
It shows 10:29
